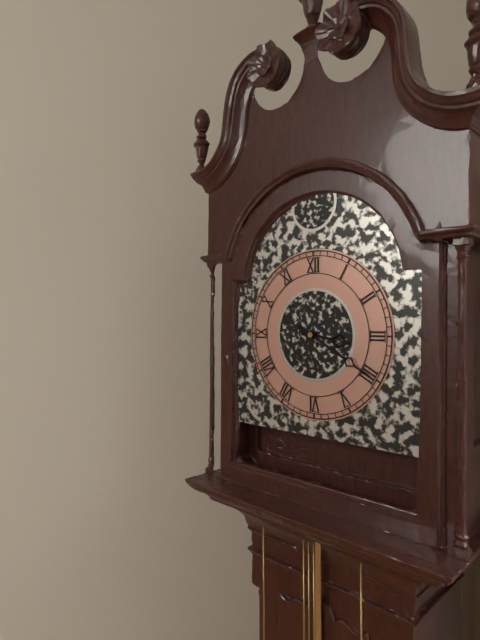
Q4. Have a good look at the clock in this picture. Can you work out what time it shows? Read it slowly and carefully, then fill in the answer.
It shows 3:20
